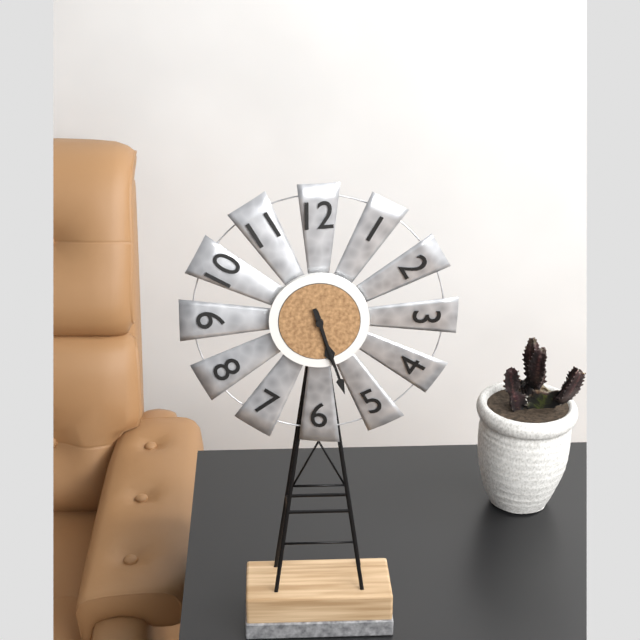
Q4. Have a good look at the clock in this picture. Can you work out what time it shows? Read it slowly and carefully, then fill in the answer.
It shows 5:27
